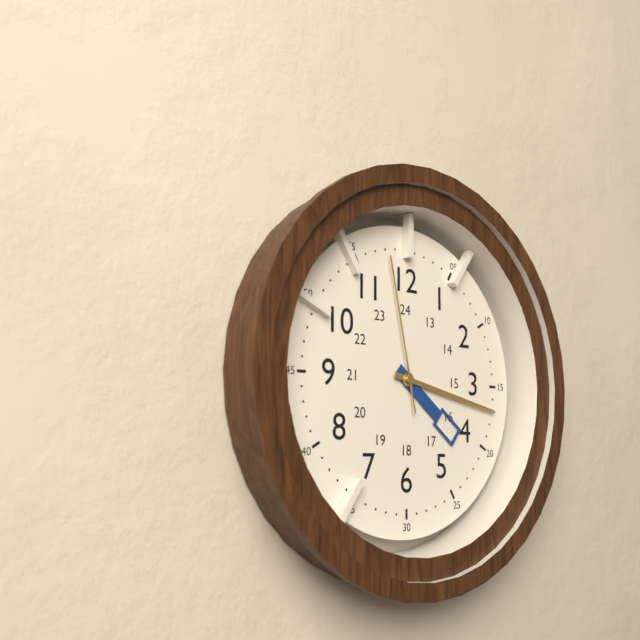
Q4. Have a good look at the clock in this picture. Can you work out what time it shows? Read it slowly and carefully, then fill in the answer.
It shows 4:17:58
